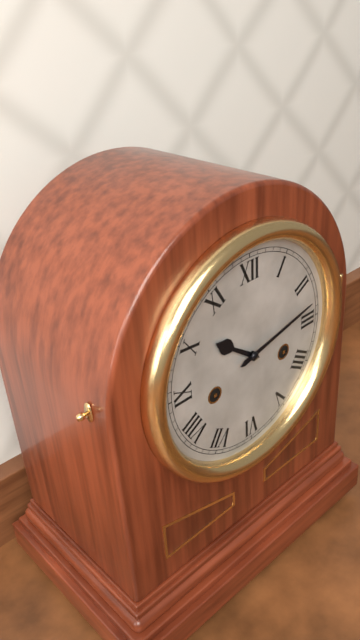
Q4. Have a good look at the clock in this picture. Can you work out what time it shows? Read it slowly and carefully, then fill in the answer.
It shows 10:13
